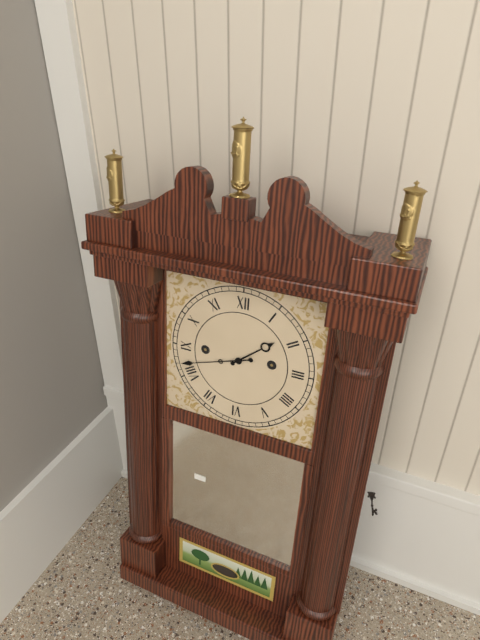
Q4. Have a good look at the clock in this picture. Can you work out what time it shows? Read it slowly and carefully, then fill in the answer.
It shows 1:42
